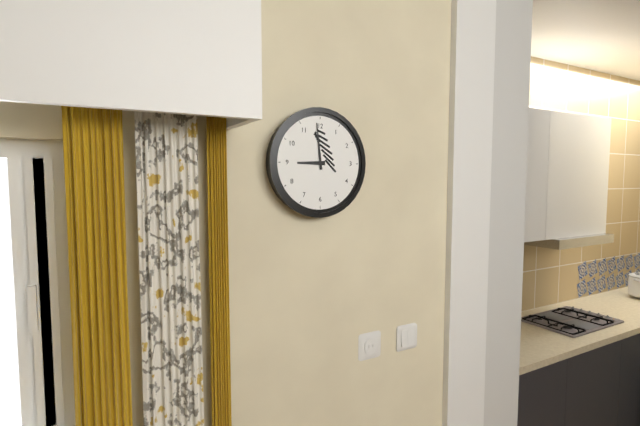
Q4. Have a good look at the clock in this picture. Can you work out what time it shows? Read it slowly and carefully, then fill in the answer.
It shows 8:59
